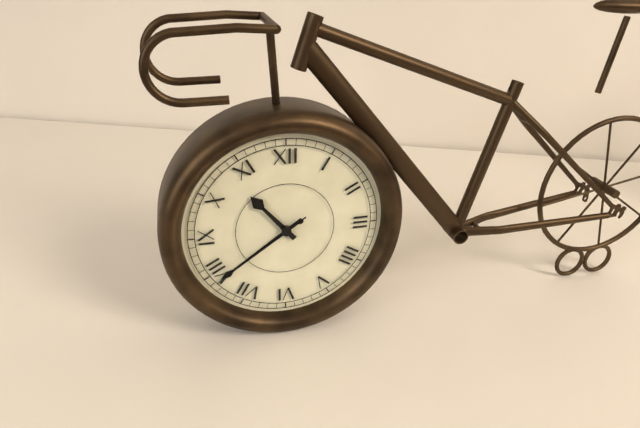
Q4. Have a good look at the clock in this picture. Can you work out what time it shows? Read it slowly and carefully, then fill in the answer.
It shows 10:39:39
